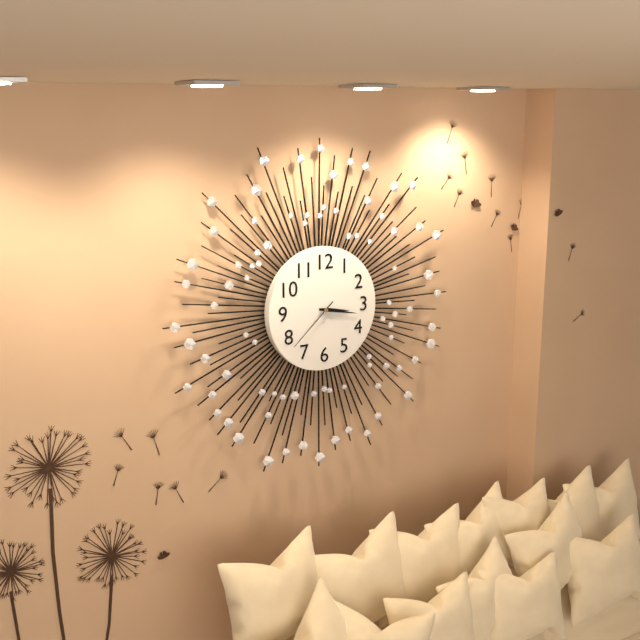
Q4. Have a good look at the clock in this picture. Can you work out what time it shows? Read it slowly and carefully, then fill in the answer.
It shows 3:17:38
